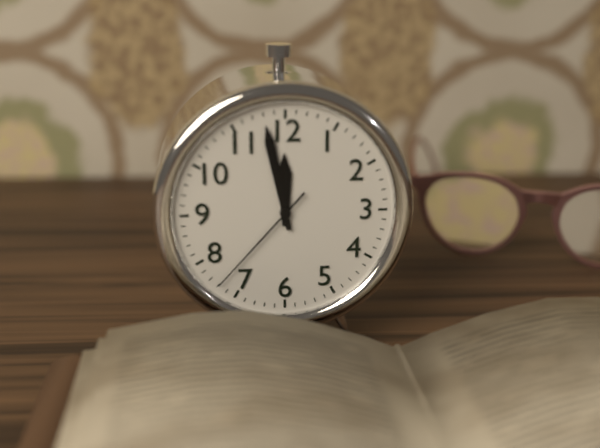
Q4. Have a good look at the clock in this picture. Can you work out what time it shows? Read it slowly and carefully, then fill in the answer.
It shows 11:58:37
